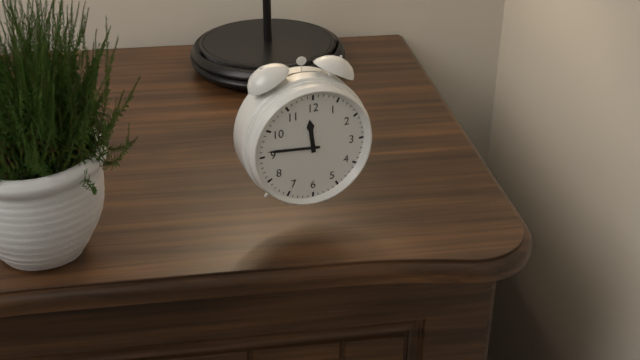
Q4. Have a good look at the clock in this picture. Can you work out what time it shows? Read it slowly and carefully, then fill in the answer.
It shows 11:46
